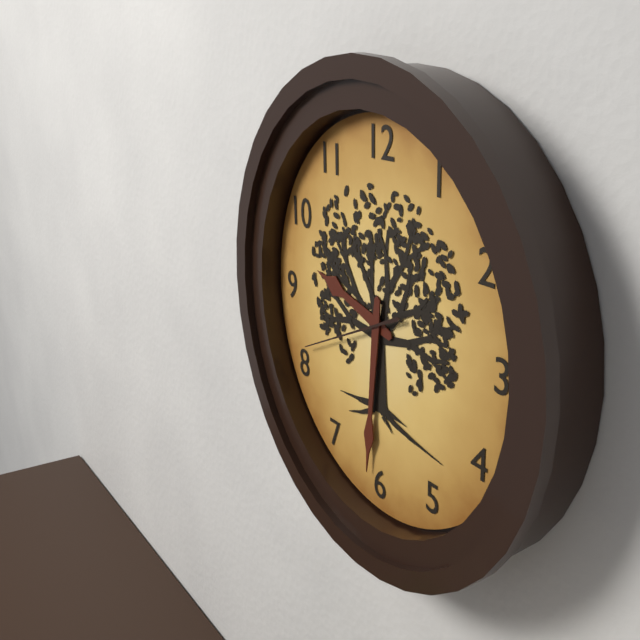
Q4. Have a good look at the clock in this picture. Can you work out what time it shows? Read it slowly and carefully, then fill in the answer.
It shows 9:31:41
